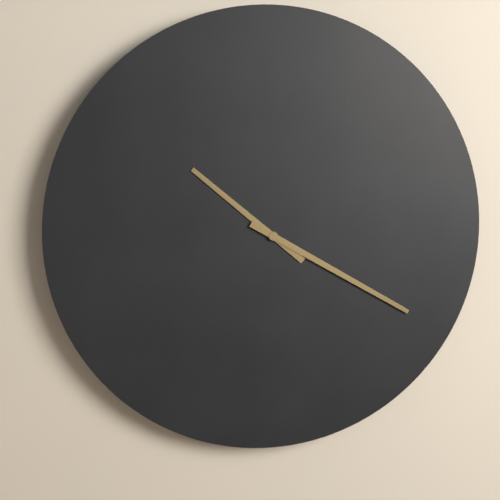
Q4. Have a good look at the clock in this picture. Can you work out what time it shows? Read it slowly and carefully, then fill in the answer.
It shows 10:20
